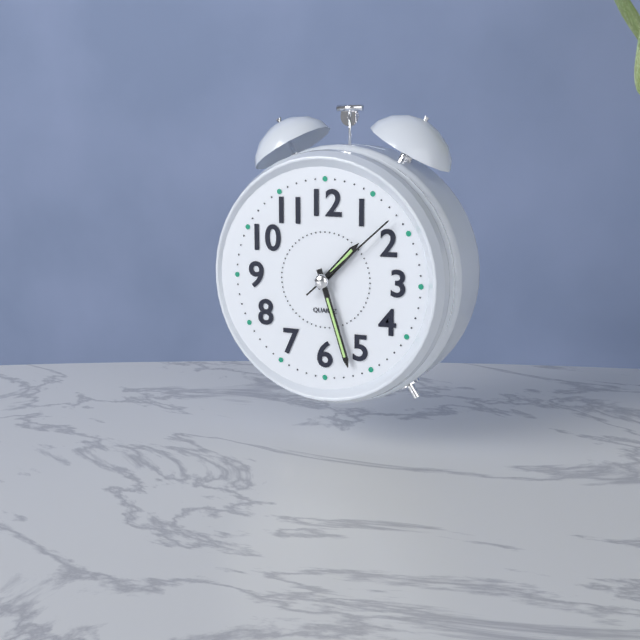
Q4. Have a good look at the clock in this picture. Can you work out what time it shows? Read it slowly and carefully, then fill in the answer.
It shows 1:27:08
